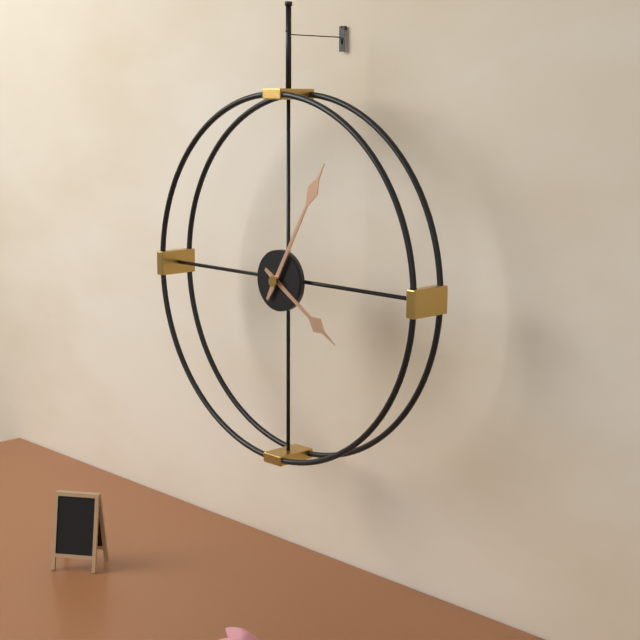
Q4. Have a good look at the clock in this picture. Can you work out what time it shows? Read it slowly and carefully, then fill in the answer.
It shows 4:05
